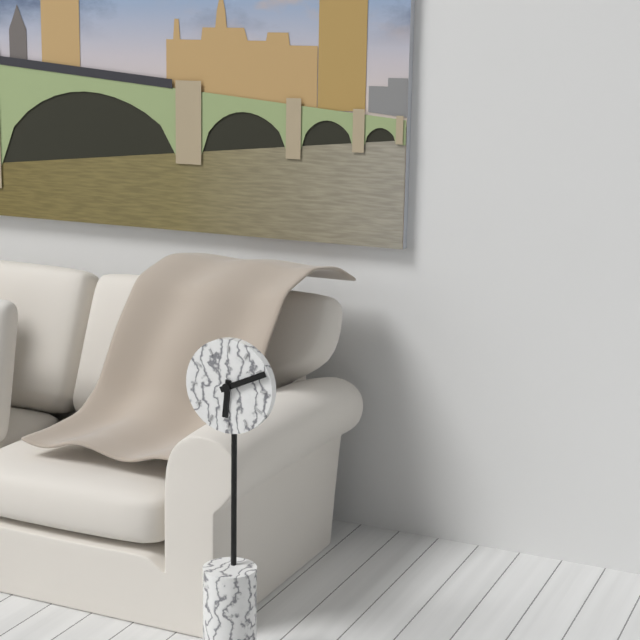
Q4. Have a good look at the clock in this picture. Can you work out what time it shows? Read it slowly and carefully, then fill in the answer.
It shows 6:11
